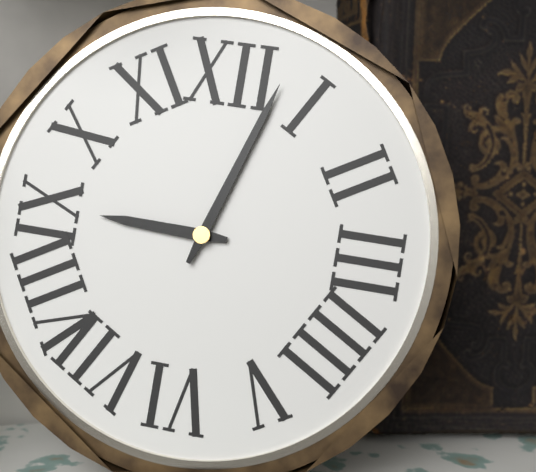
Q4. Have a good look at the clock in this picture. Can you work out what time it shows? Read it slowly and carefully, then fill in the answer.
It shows 9:03
